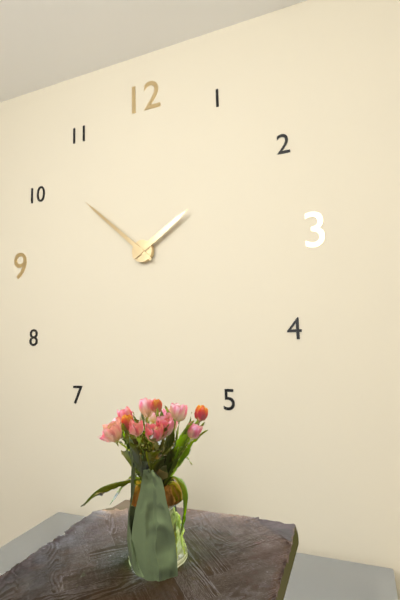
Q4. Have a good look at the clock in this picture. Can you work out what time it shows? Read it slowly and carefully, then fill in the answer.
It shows 1:52
